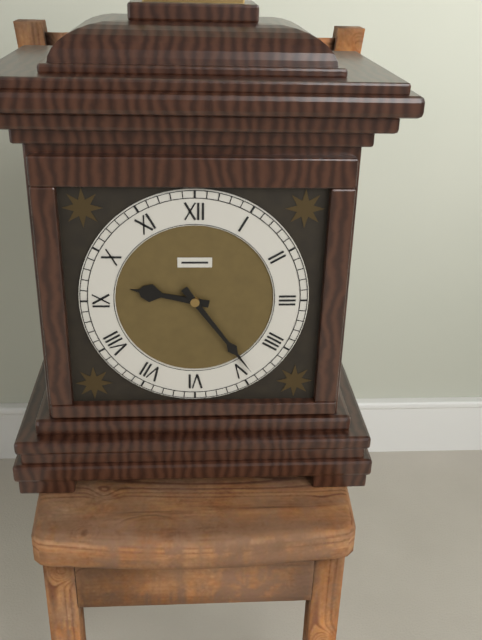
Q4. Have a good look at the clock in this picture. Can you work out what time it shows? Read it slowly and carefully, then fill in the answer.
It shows 9:24
